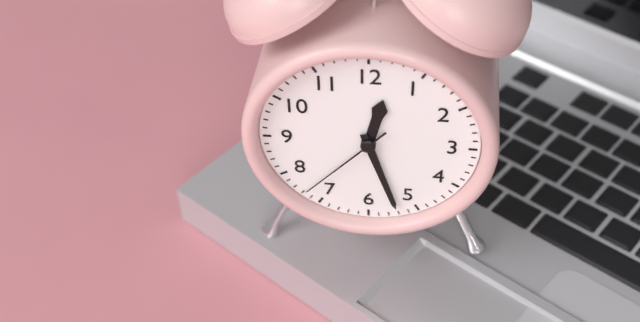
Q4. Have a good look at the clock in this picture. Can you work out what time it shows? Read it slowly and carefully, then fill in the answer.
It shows 12:27:37
